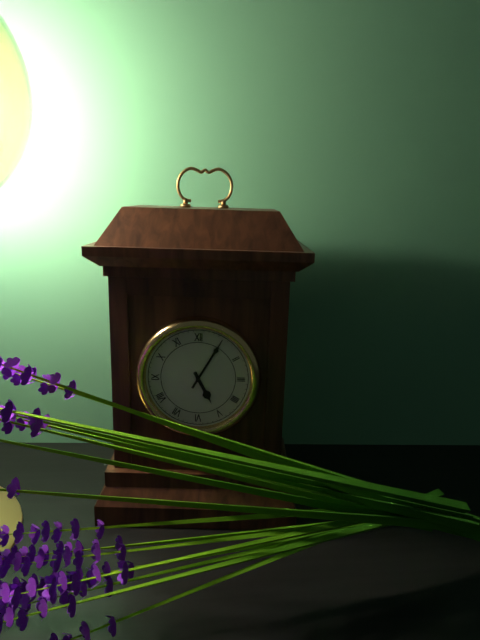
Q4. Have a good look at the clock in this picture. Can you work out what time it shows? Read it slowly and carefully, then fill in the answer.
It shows 5:05
